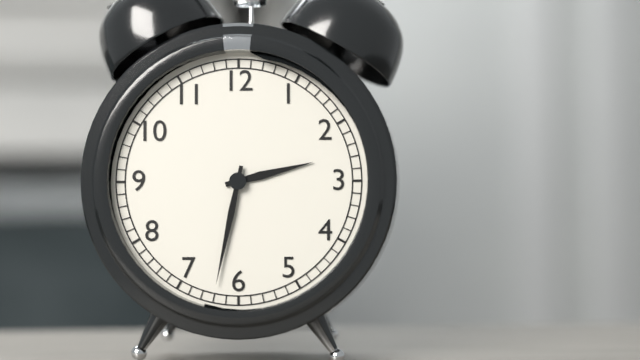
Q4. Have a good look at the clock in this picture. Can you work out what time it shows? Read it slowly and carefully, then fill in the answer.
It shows 2:32
